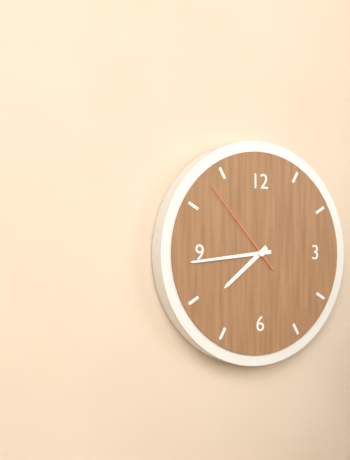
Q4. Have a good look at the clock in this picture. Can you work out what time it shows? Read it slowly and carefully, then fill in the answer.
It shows 7:44:53
